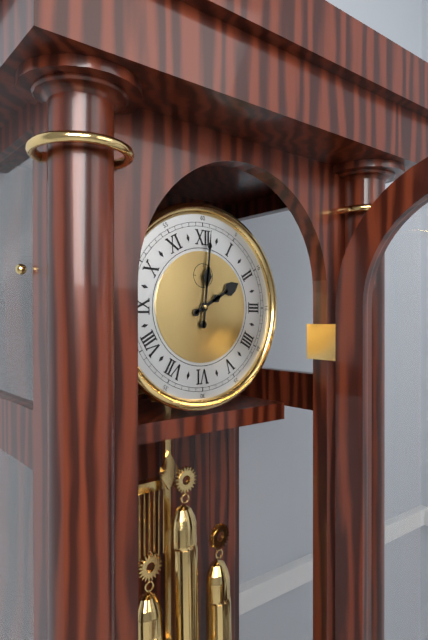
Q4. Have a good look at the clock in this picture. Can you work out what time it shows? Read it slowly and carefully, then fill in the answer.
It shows 2:01
